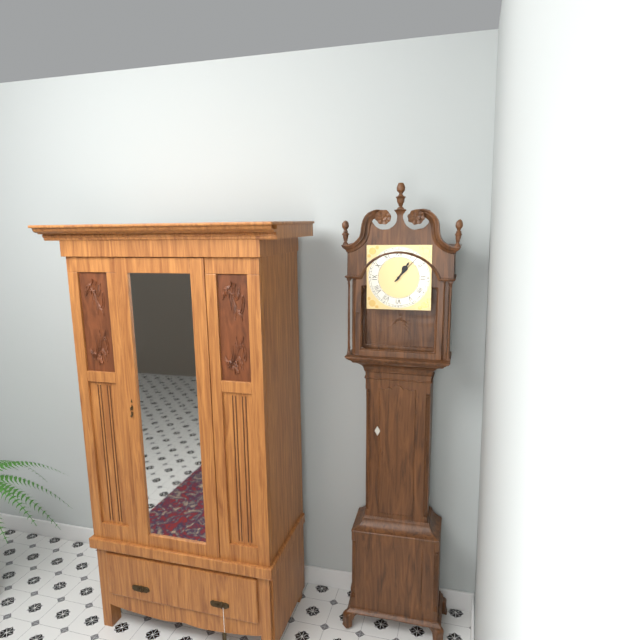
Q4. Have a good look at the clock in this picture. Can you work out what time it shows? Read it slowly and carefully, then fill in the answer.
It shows 1:07
